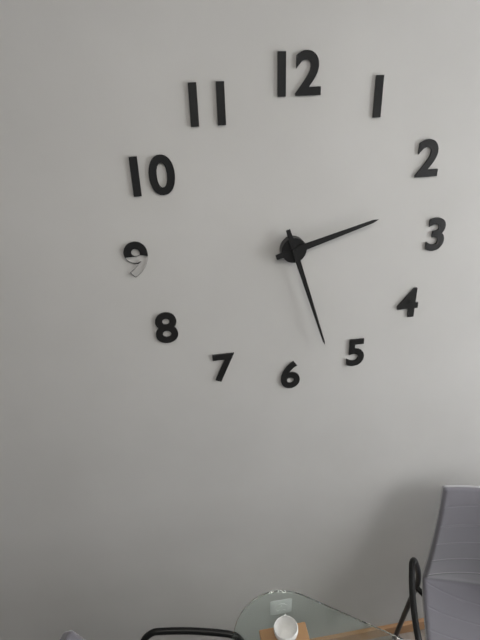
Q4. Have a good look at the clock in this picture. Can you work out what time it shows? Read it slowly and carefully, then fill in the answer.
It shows 2:27
